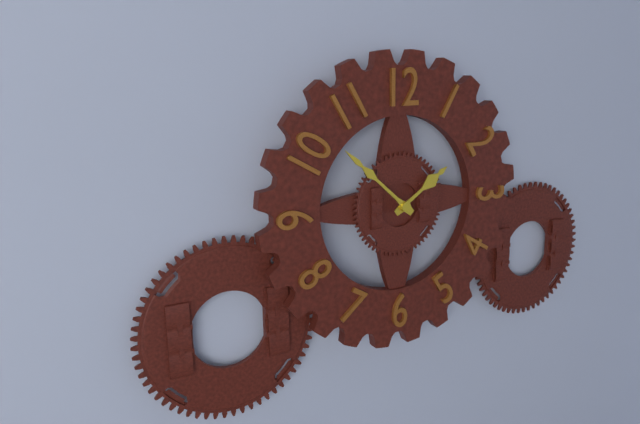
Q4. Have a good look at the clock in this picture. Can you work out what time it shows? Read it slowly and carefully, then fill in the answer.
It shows 1:52
